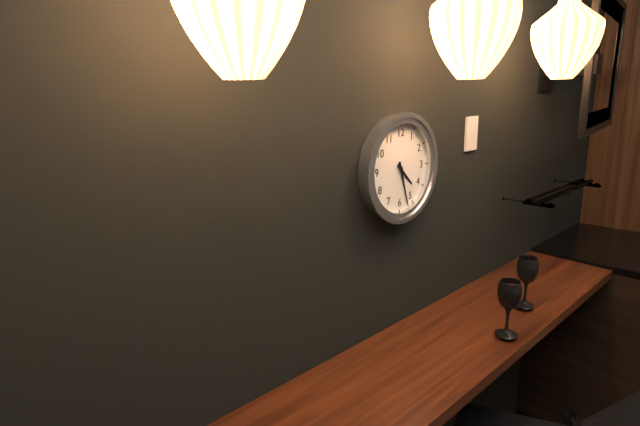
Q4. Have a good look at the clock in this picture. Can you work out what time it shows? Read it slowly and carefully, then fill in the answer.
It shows 4:27
